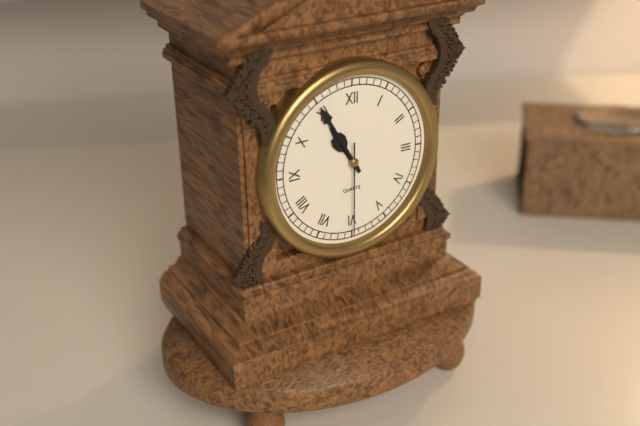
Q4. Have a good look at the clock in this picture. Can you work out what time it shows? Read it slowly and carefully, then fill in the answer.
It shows 10:55:30
